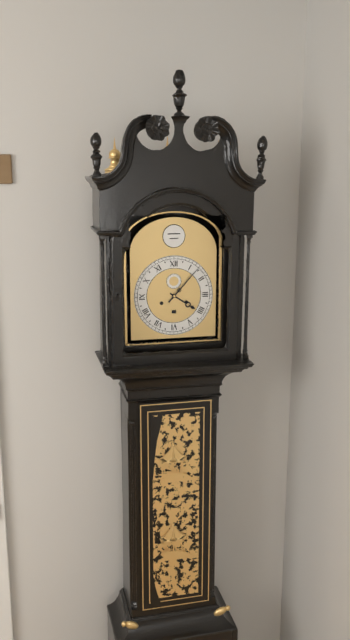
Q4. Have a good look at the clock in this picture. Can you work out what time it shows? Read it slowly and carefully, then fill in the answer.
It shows 4:07
